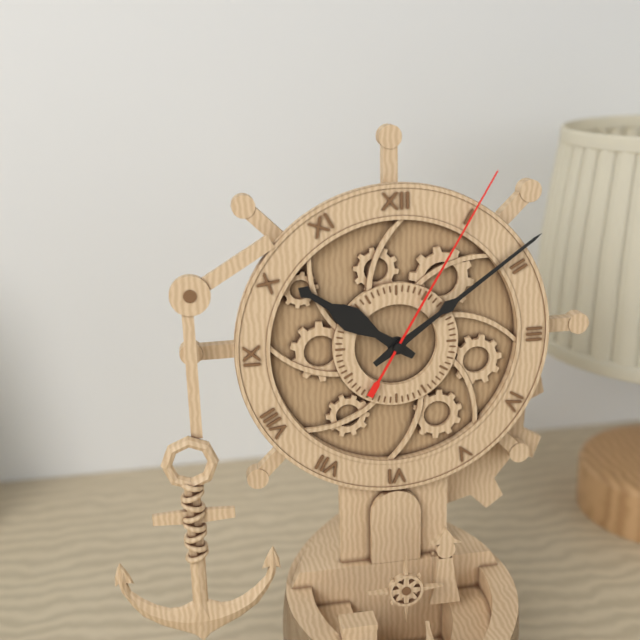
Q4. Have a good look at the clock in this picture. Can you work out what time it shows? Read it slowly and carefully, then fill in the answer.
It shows 10:09:05
